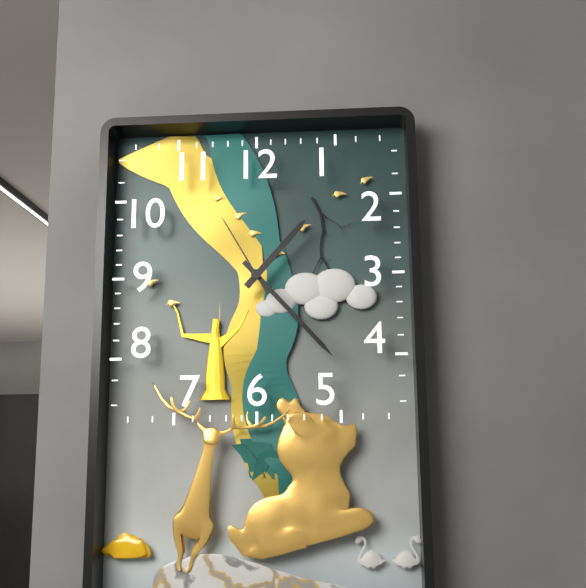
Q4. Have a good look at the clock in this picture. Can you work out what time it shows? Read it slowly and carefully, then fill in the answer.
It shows 1:23:55
